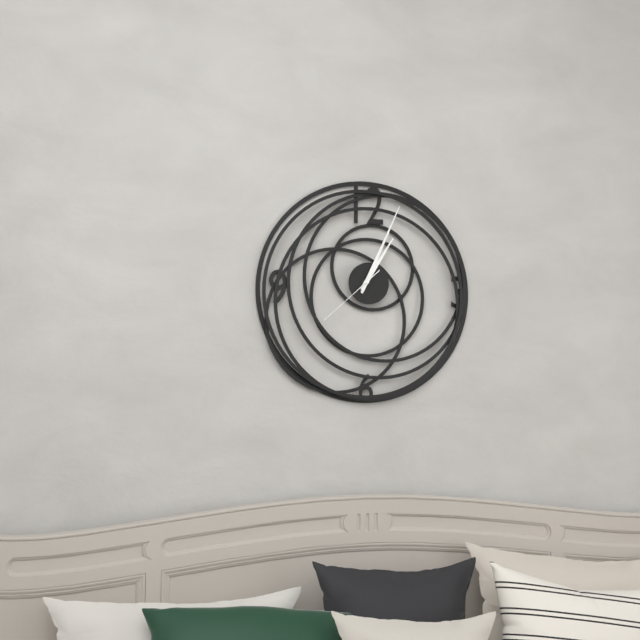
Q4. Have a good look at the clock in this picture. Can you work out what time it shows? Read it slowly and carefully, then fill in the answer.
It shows 1:04:38
